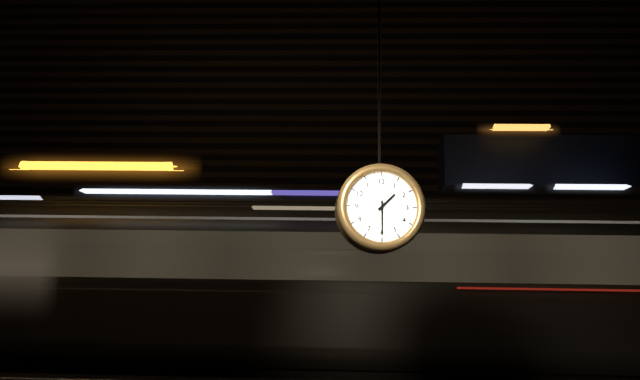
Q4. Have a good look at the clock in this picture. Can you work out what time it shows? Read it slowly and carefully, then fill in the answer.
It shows 1:30
